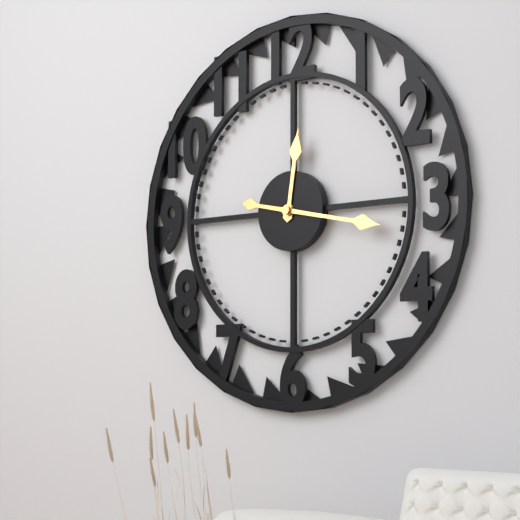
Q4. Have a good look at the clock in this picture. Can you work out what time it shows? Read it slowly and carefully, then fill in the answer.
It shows 12:17
